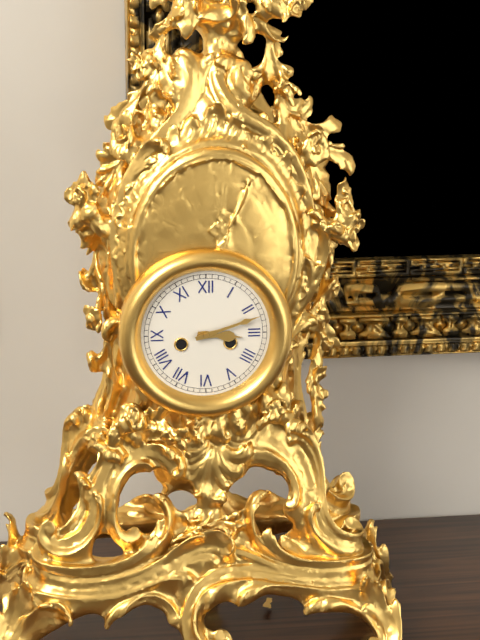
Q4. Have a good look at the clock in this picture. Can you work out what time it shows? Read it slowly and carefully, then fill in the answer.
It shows 3:12
